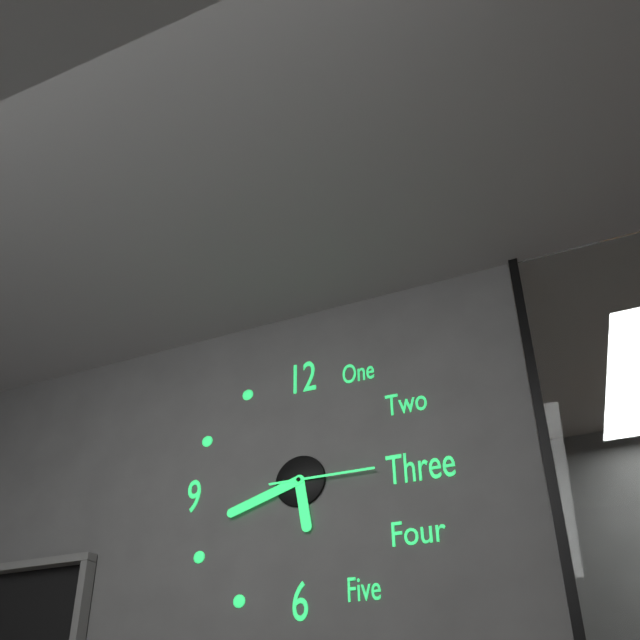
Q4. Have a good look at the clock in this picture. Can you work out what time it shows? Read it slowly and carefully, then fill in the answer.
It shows 5:42:15
